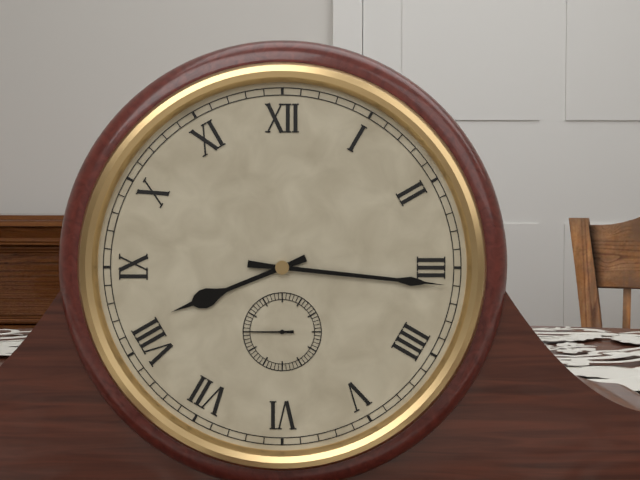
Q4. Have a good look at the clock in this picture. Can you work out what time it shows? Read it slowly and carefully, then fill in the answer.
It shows 8:16:45
